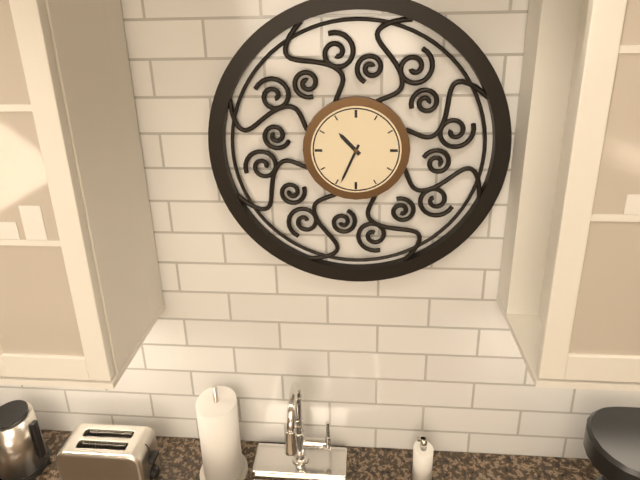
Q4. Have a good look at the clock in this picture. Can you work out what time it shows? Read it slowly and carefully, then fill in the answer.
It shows 10:34
